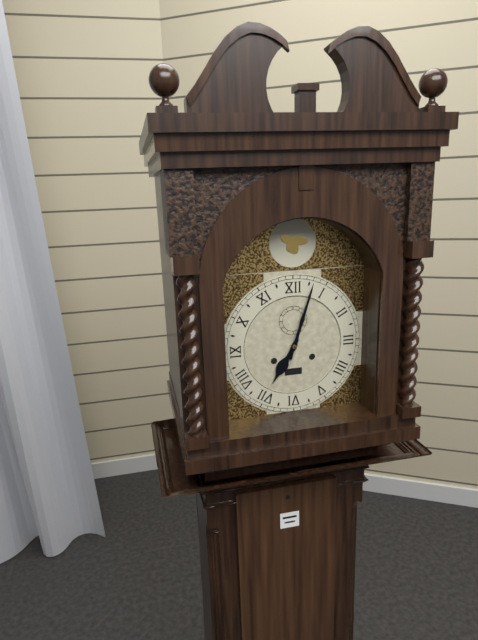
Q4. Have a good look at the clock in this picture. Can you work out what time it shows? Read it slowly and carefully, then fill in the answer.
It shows 7:03
